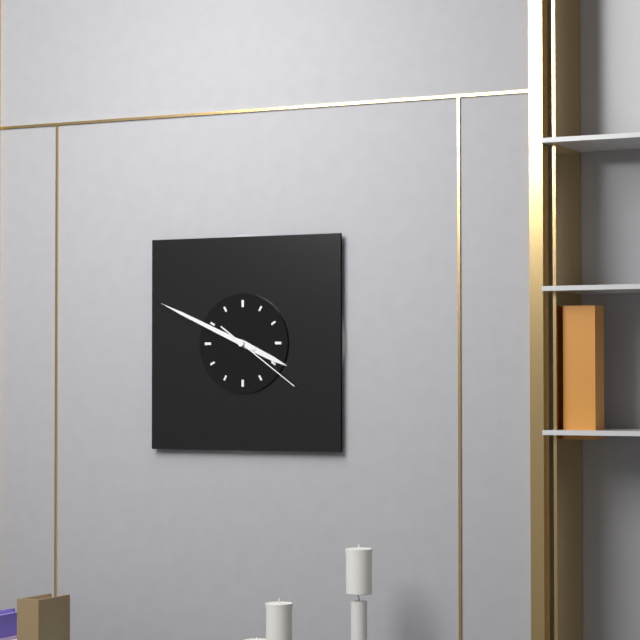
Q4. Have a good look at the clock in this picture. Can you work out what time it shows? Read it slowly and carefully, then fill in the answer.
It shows 3:49:21
